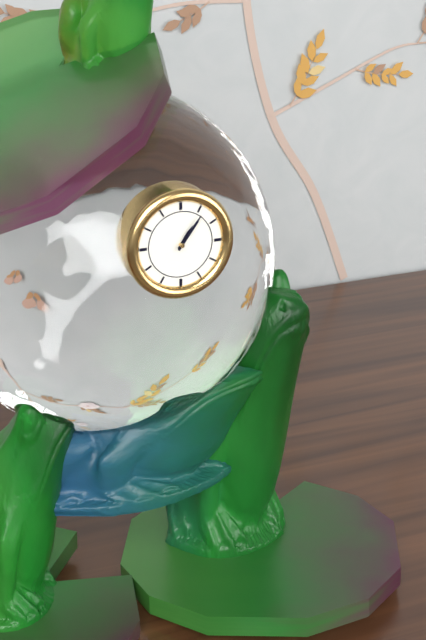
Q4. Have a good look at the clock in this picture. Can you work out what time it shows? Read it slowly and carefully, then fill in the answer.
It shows 1:06
